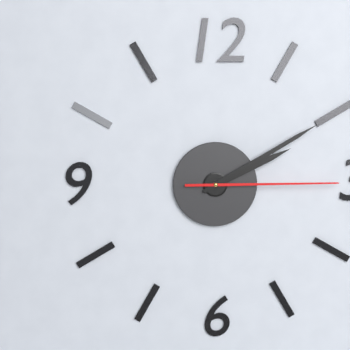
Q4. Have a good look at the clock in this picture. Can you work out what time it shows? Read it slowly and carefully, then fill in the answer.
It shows 2:10:15
